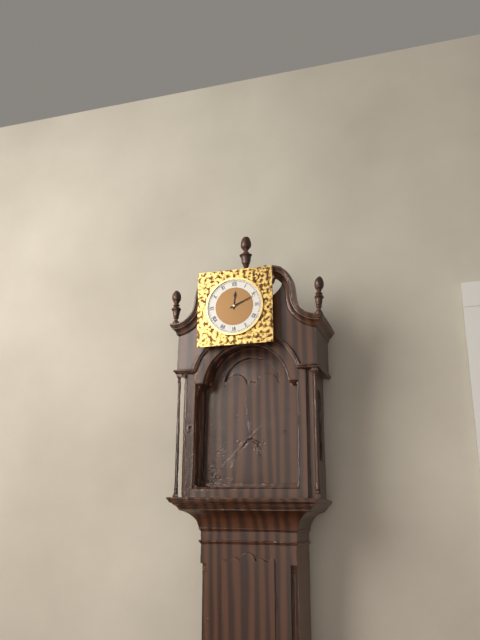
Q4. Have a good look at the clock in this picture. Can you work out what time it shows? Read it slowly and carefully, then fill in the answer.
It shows 12:11
